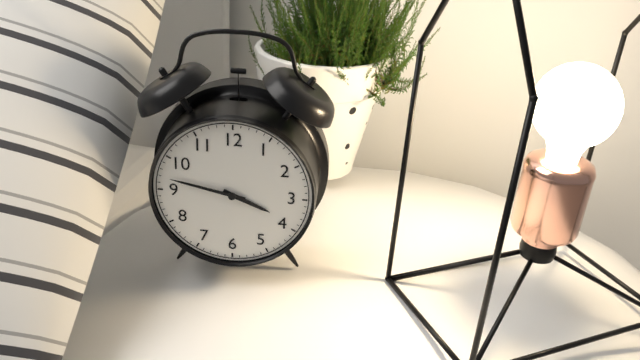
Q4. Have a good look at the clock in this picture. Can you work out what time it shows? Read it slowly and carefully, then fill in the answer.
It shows 3:47
